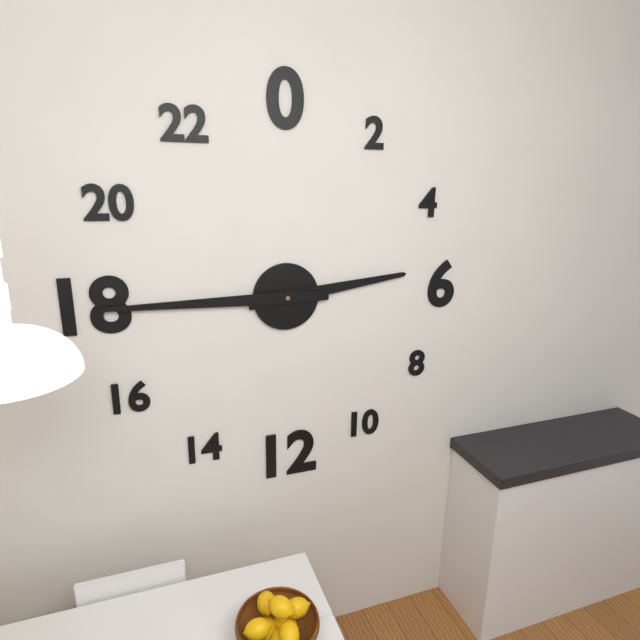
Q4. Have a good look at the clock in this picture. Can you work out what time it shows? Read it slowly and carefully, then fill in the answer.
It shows 2:45
